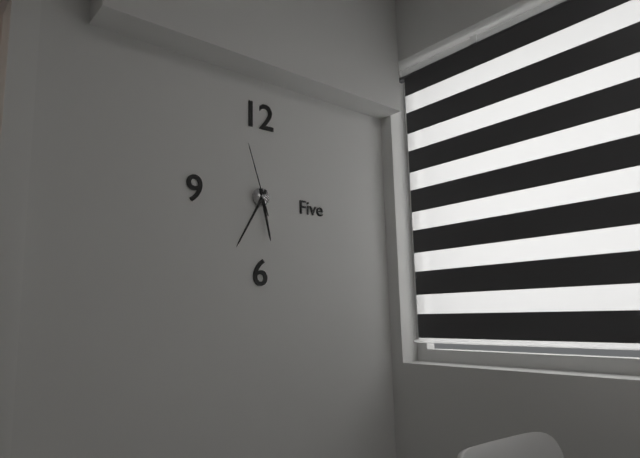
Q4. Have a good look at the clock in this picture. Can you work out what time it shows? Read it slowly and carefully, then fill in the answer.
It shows 5:35:57
